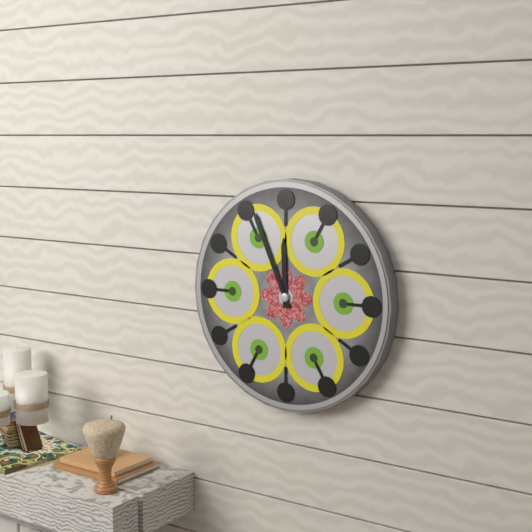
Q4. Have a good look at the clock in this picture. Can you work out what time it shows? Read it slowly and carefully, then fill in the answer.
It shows 11:56
